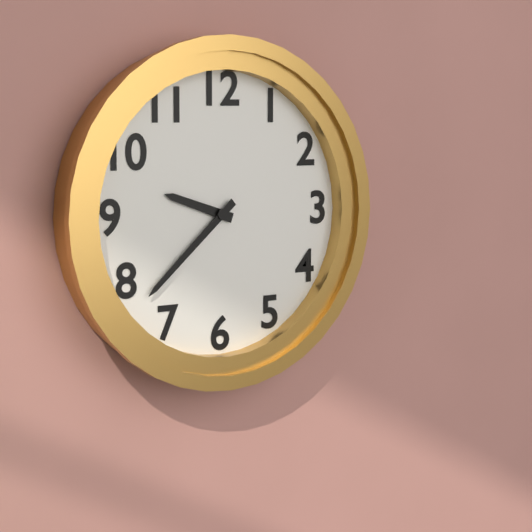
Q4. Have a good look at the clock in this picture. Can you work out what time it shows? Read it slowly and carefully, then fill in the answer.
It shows 9:38
